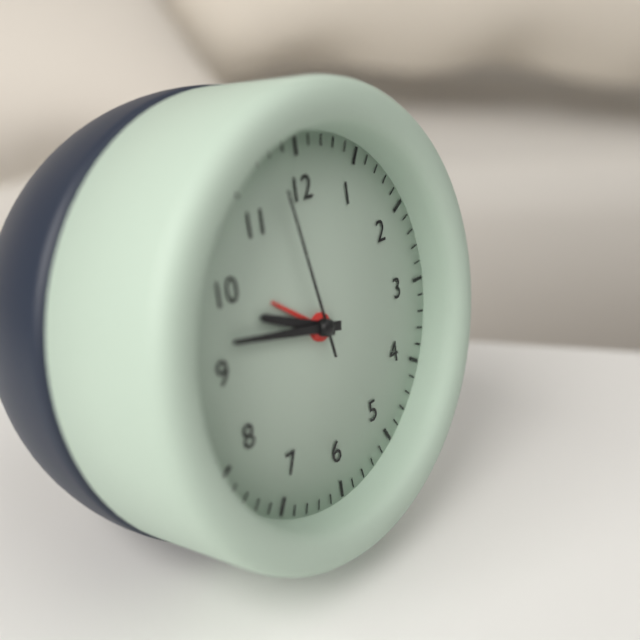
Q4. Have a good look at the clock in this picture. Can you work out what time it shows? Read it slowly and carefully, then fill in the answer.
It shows 9:47:58
